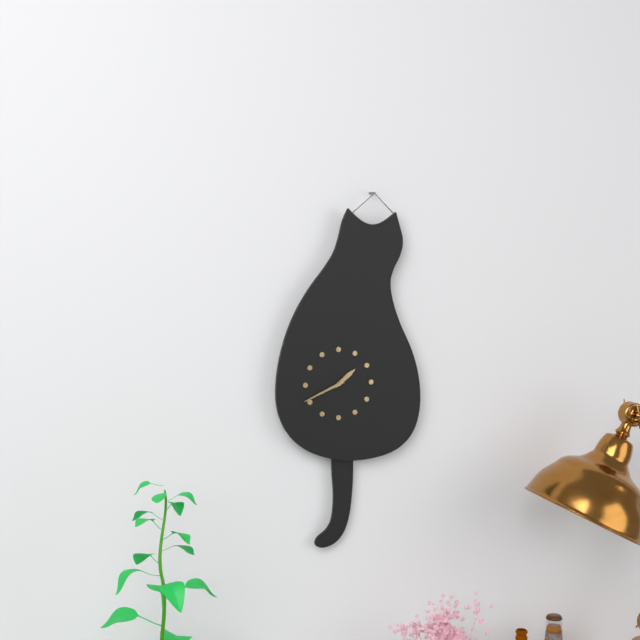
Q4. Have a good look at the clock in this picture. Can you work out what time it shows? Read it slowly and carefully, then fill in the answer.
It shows 1:41
